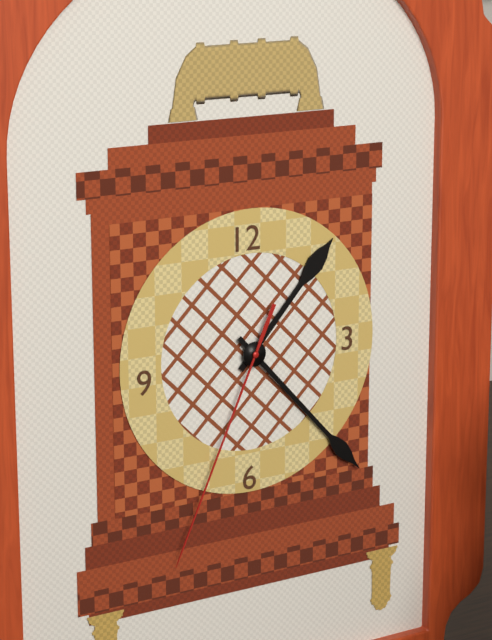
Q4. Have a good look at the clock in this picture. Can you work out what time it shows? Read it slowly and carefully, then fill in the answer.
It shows 1:23:34
